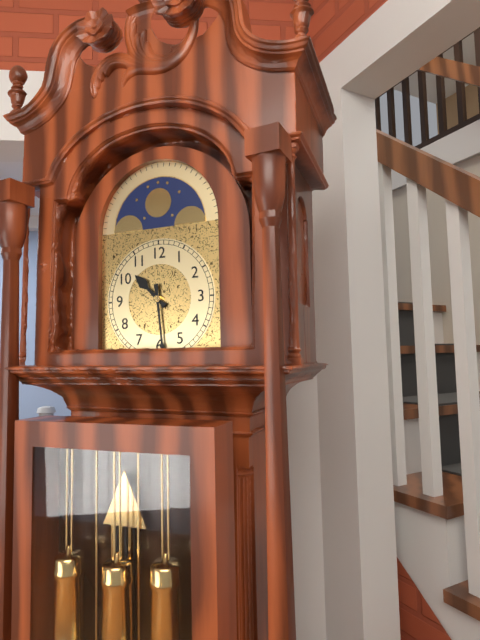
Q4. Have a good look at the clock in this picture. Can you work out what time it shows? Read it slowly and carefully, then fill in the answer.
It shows 10:29
